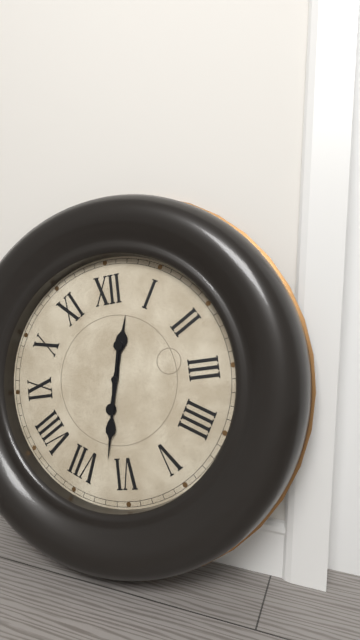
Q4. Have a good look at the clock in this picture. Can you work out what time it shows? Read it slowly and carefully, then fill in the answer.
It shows 12:32
